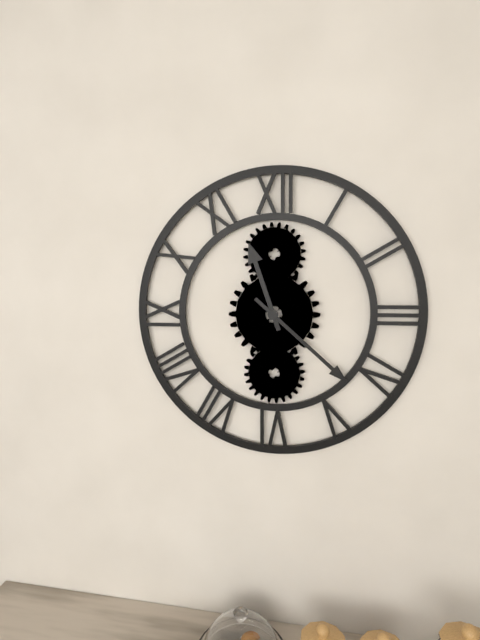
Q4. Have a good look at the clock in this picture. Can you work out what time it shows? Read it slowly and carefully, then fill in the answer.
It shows 11:22
